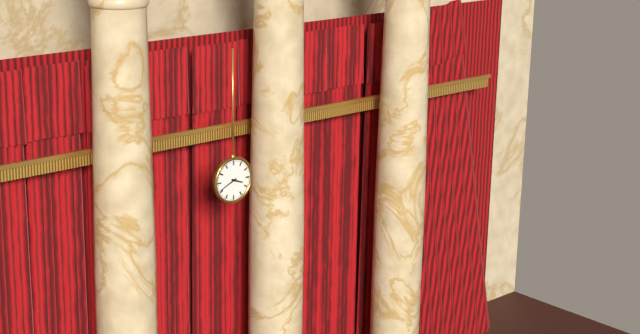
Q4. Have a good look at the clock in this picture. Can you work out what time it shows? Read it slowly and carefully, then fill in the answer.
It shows 3:41
